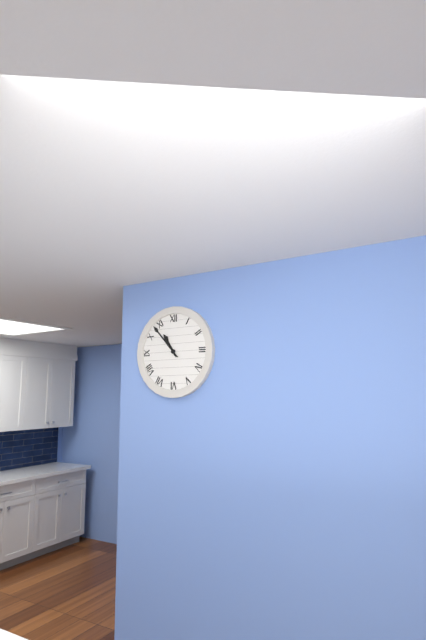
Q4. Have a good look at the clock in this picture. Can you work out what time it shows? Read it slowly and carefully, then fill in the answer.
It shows 10:53
